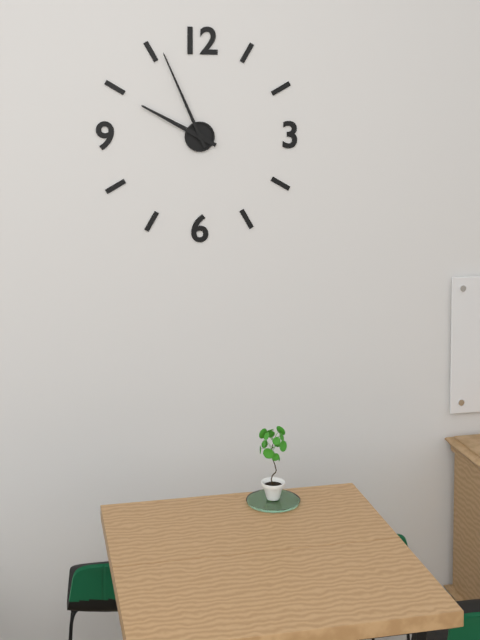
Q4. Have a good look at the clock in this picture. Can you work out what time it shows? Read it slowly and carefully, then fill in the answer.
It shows 9:56
